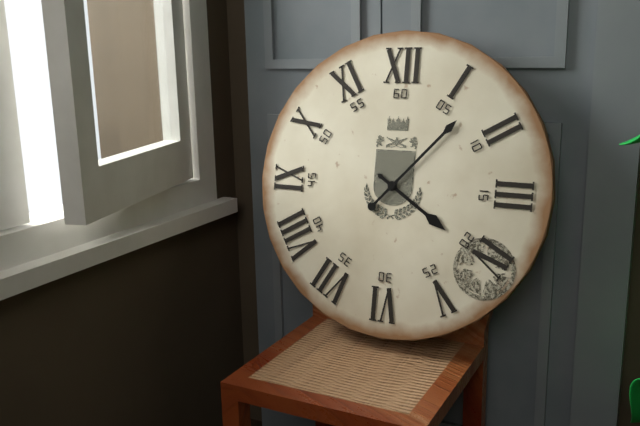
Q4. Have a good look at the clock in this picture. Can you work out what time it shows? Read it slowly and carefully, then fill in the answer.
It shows 4:07
